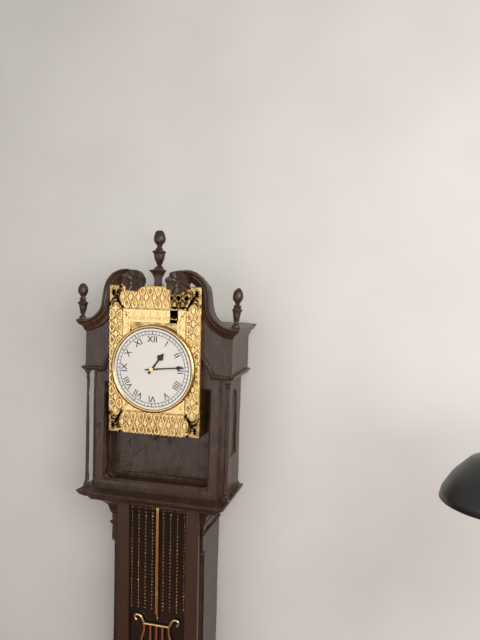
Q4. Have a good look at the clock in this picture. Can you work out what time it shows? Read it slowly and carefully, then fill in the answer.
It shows 1:14
